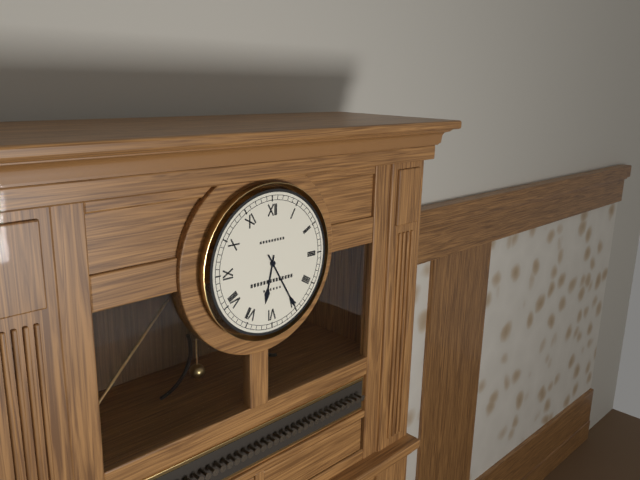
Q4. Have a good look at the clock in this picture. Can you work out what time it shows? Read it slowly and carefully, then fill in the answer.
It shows 6:25
